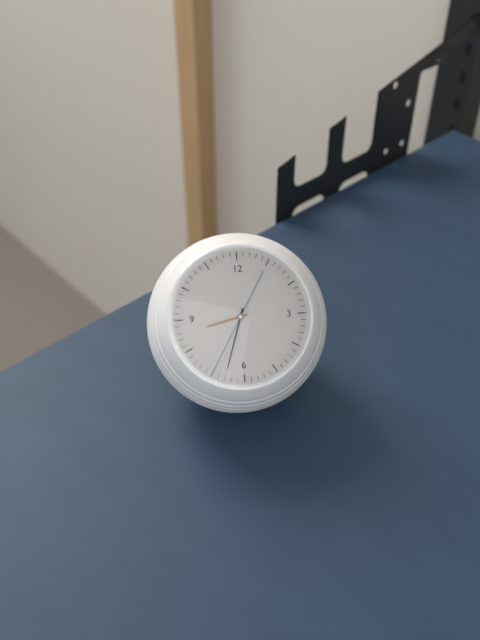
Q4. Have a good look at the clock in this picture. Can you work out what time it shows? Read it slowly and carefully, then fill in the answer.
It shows 8:33:35
